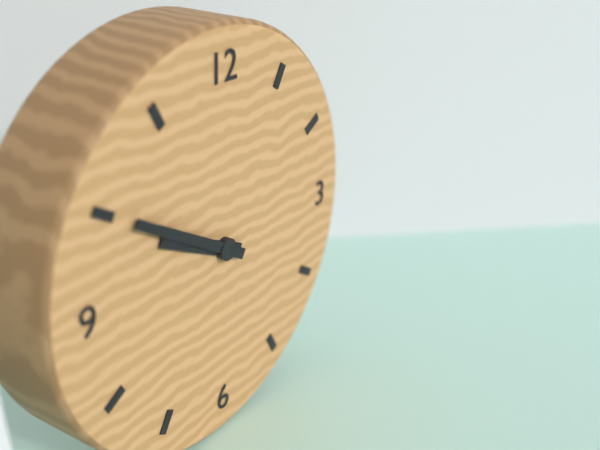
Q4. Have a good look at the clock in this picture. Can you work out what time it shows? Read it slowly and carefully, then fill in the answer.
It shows 9:50
